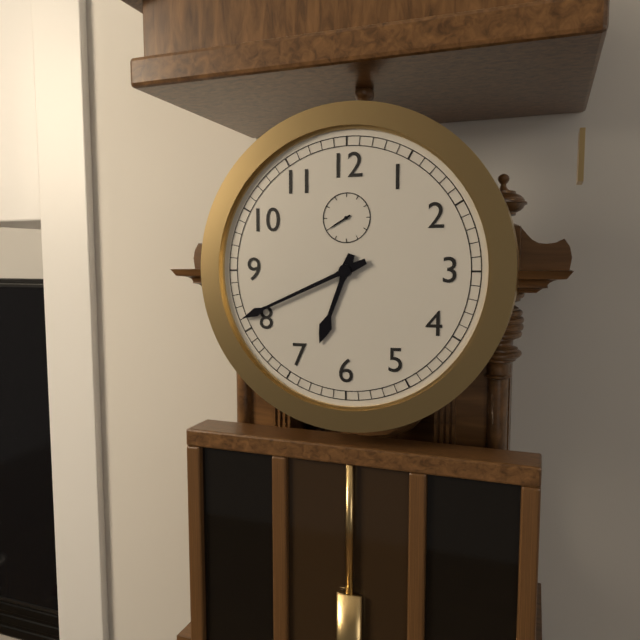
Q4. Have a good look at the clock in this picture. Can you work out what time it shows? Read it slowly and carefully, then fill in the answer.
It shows 6:41
